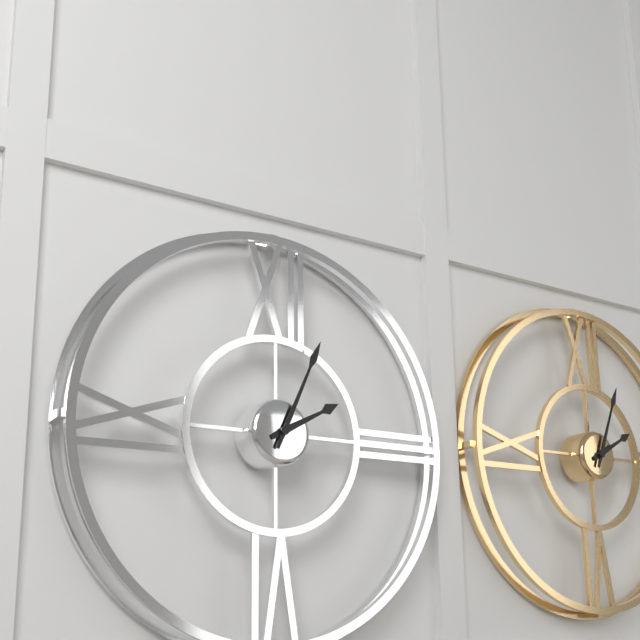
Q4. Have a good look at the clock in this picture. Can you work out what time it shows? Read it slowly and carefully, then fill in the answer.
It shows 2:04
